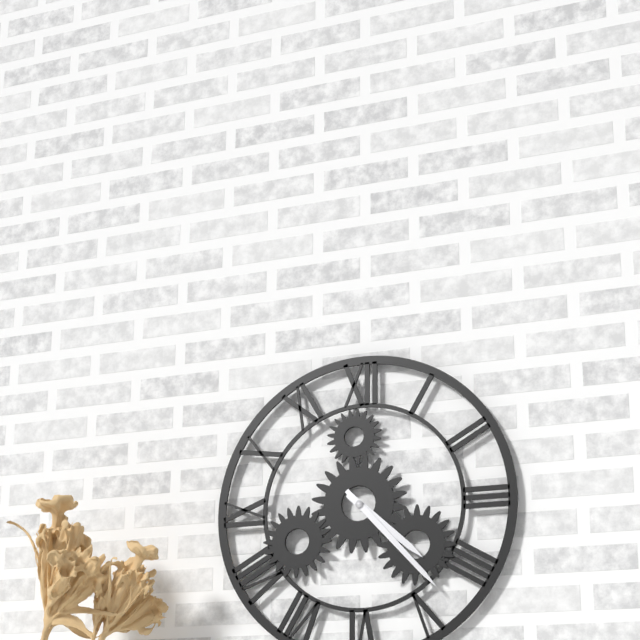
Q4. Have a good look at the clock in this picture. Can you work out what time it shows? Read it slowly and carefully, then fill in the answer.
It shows 4:23
